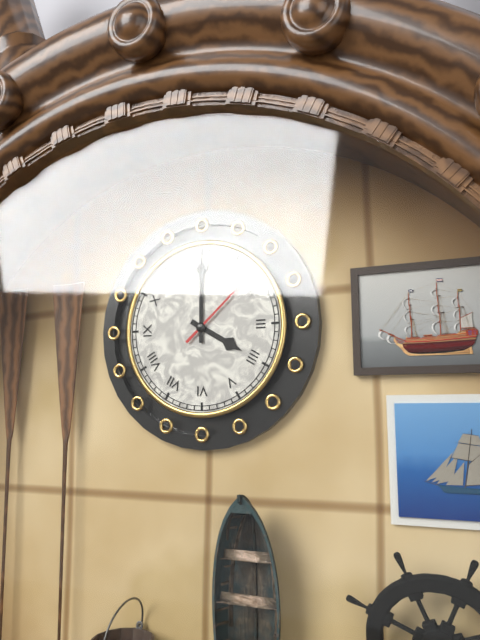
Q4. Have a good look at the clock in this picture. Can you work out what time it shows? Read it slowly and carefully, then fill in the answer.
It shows 4:00:08
